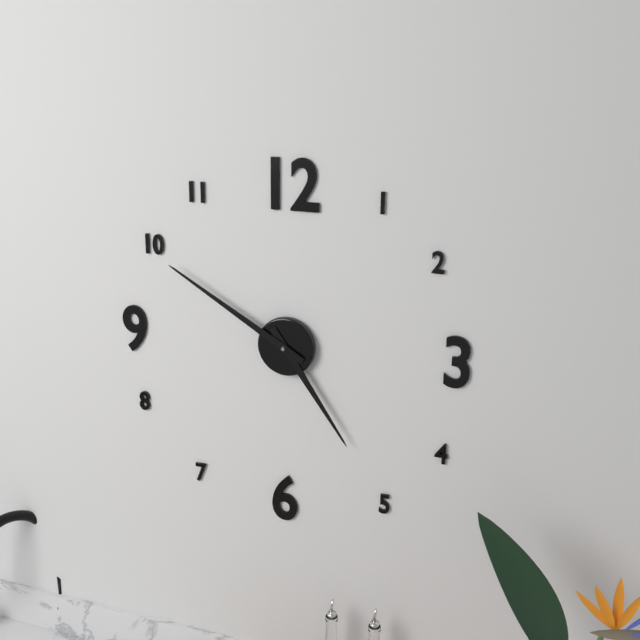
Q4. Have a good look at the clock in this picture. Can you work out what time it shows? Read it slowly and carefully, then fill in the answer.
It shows 4:50
